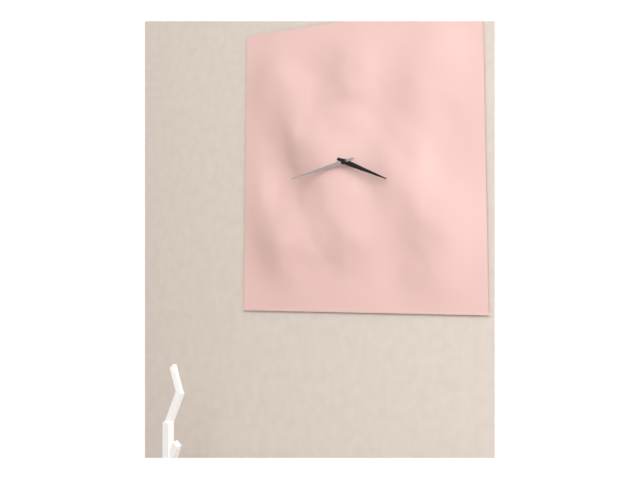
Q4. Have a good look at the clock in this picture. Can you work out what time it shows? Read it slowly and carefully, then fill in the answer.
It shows 3:43
